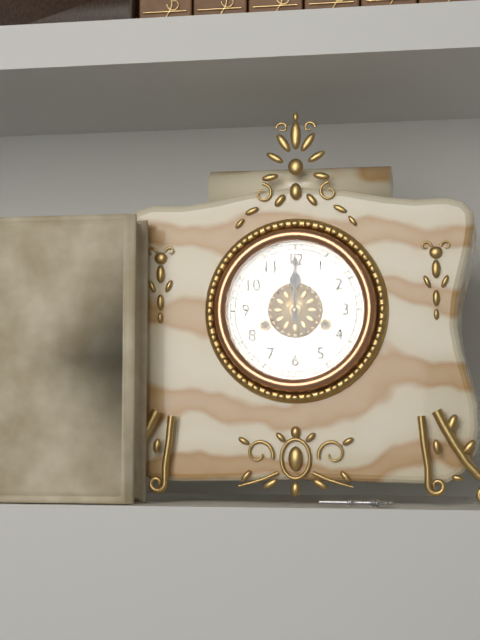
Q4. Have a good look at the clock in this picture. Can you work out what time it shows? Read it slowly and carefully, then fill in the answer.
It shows 12:00
